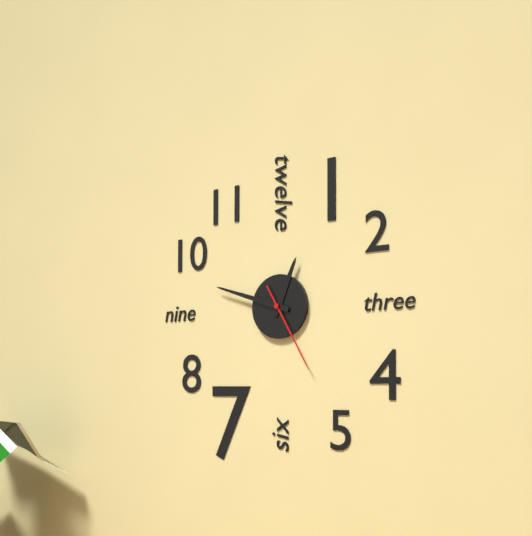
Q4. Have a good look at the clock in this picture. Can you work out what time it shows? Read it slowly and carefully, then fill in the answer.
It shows 12:48:25
